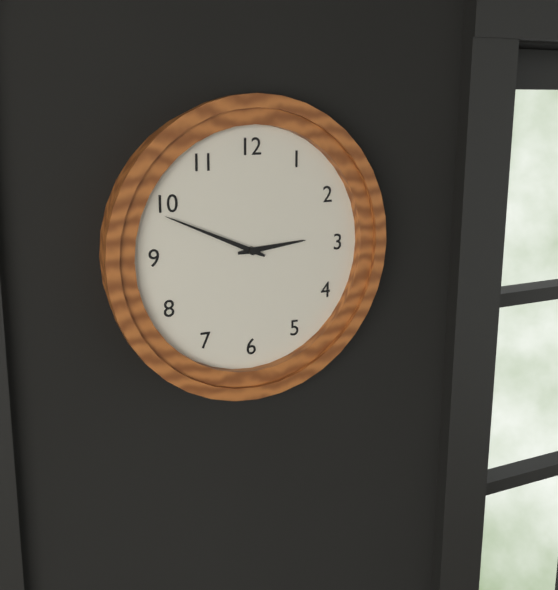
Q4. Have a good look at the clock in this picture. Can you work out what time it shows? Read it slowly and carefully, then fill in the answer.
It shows 2:49
